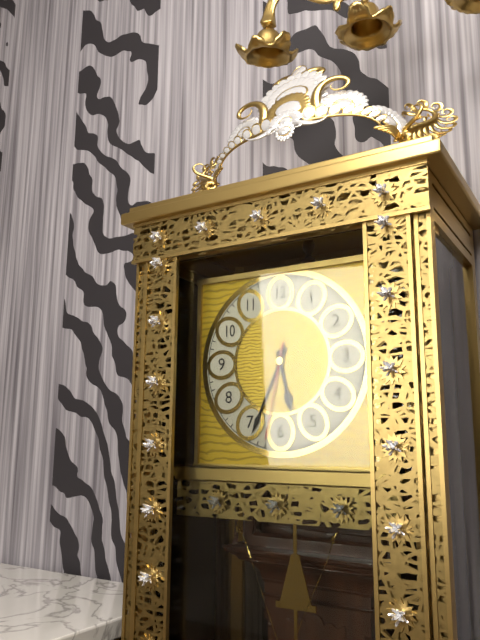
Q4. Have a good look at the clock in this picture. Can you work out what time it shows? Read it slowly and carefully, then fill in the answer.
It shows 5:34:32
